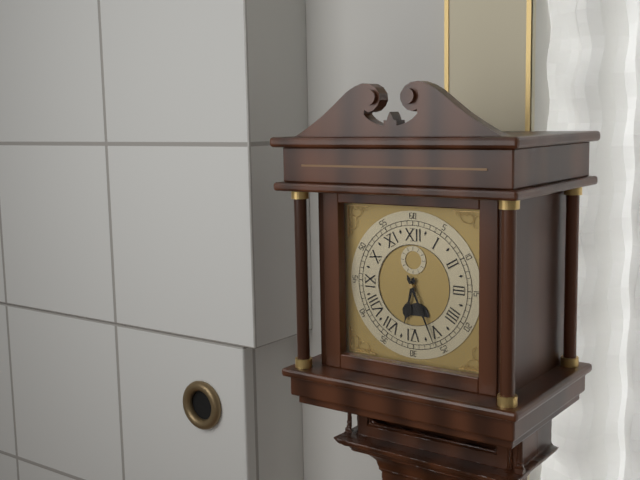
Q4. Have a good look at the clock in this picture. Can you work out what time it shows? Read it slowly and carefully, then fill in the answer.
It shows 6:26
